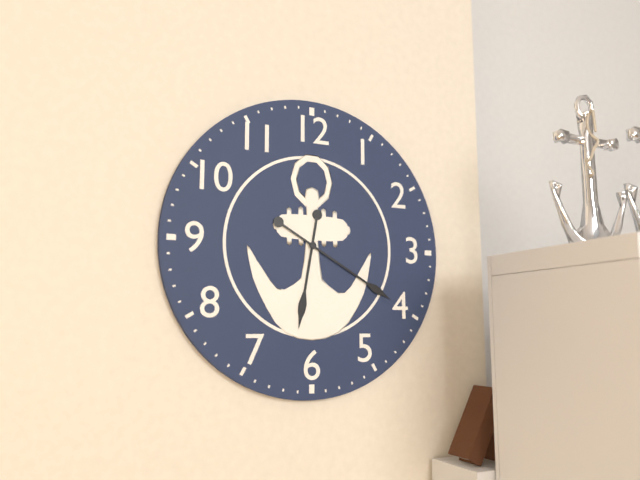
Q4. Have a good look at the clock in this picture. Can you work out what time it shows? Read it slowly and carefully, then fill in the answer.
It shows 6:20
